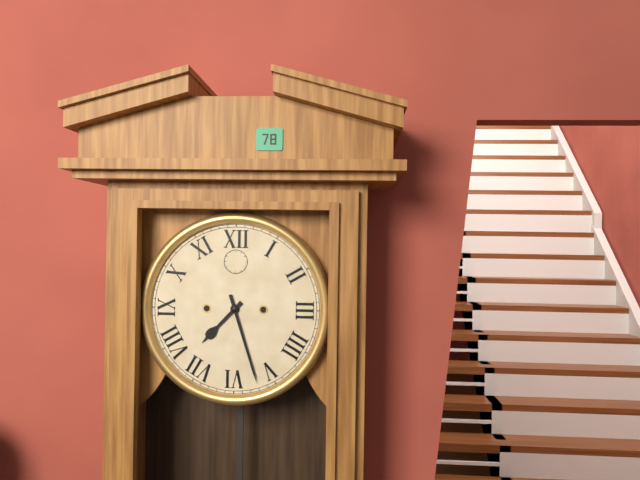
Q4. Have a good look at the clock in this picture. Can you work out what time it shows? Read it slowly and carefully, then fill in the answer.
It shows 7:27
